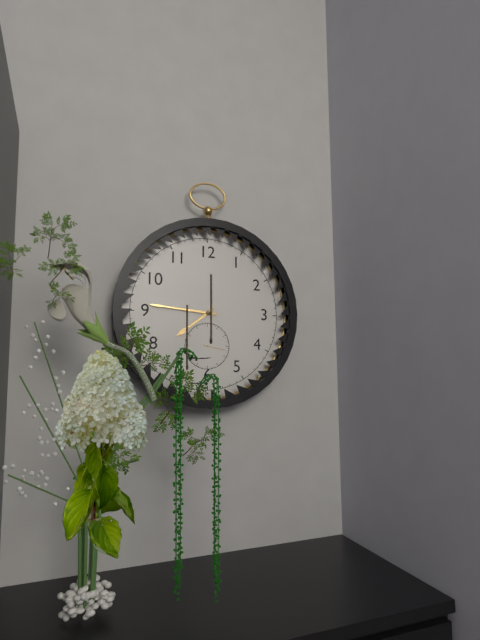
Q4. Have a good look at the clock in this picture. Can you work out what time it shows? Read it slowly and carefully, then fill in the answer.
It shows 7:46
